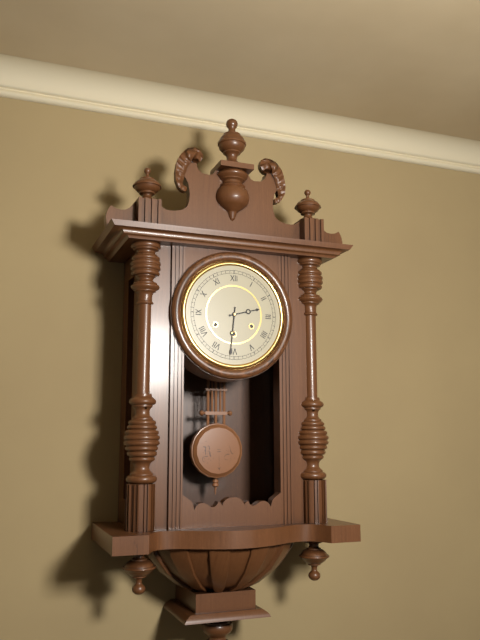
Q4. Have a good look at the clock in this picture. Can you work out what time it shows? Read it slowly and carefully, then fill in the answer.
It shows 2:31
